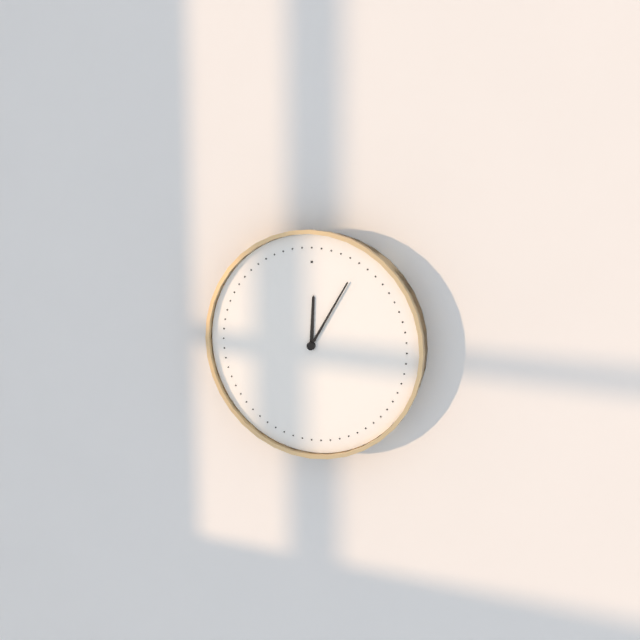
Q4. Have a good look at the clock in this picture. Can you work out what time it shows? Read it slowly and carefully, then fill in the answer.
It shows 12:05
